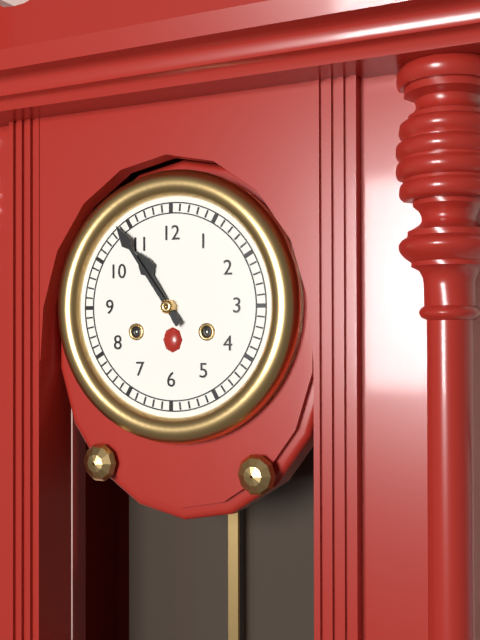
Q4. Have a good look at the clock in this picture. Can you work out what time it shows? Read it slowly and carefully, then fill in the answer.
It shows 10:54
